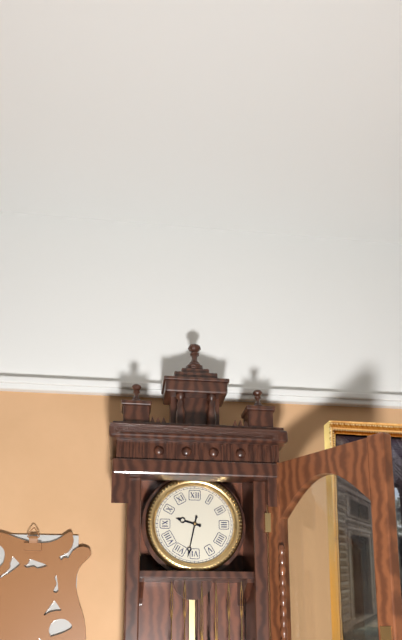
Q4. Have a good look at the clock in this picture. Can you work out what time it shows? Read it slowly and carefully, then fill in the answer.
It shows 9:32
